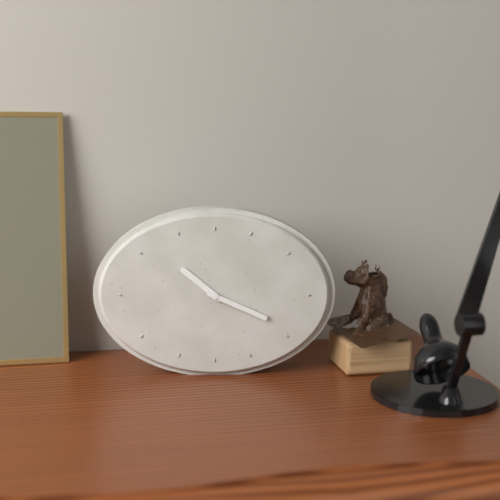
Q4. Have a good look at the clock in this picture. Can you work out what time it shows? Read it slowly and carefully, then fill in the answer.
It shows 10:19
